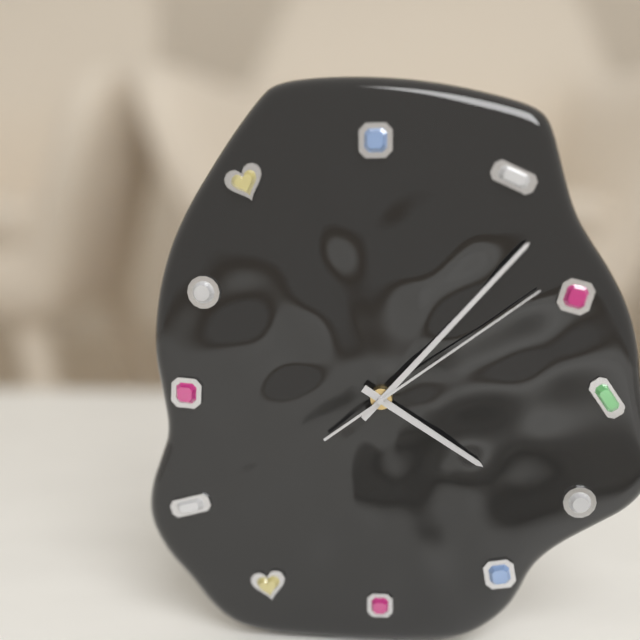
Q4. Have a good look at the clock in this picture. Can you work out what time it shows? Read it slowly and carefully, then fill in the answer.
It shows 4:07:09
